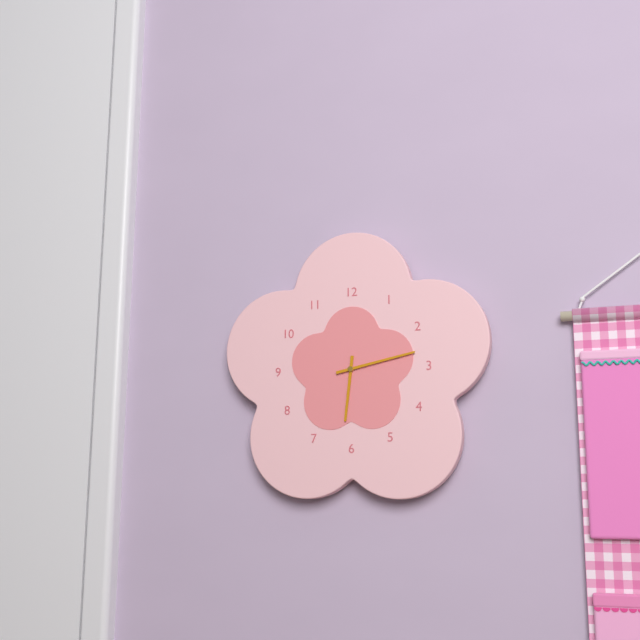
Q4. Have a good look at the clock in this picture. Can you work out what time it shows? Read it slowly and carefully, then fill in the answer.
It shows 6:13
